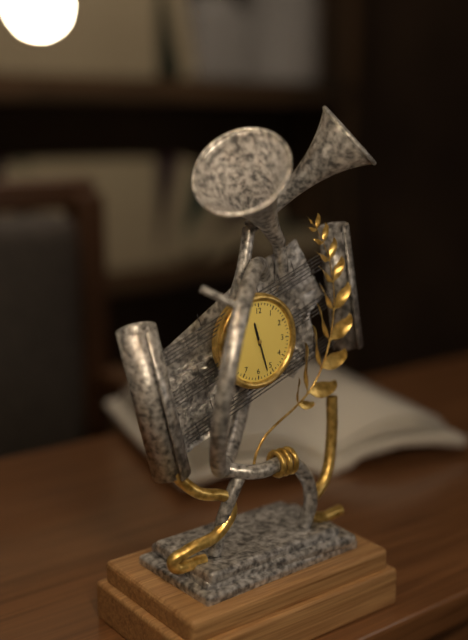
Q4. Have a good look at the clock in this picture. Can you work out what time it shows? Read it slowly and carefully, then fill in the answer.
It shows 11:27
